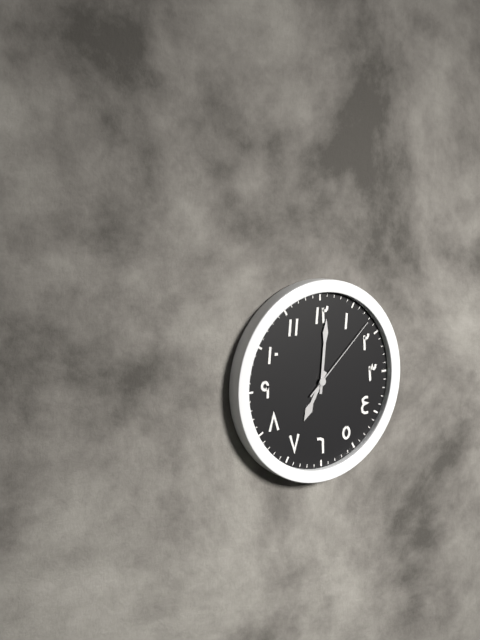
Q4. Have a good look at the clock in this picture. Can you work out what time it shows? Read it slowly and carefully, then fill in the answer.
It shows 7:01:08
